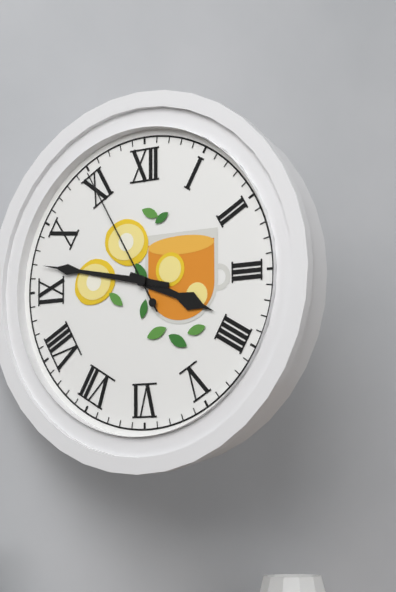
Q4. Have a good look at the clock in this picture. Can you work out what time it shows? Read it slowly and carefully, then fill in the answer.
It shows 3:47:55
